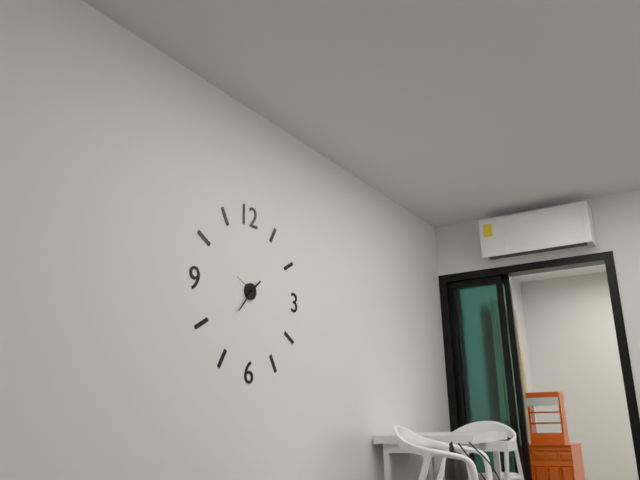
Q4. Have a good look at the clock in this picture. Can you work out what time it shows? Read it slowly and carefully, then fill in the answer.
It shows 1:37
